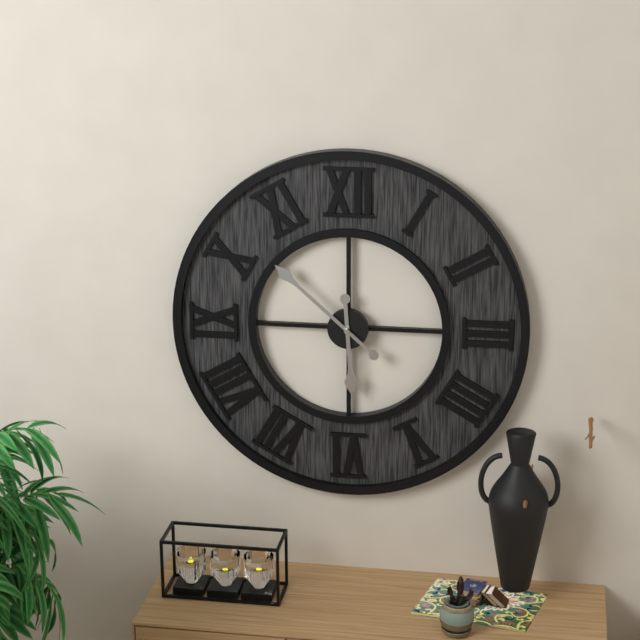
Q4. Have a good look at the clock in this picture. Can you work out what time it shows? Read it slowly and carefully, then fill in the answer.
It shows 5:52
